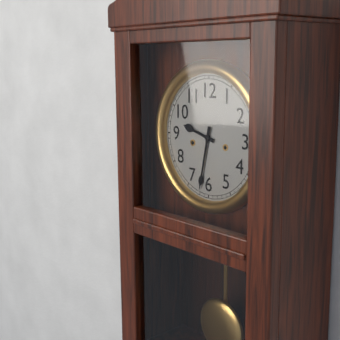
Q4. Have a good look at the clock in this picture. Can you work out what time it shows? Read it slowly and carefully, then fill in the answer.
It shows 9:32
